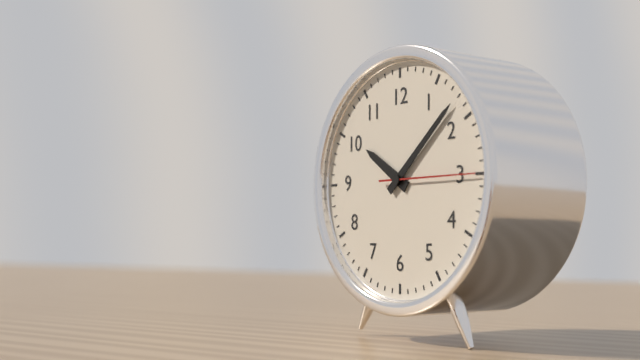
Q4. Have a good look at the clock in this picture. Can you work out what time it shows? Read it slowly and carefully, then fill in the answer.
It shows 10:08:15
